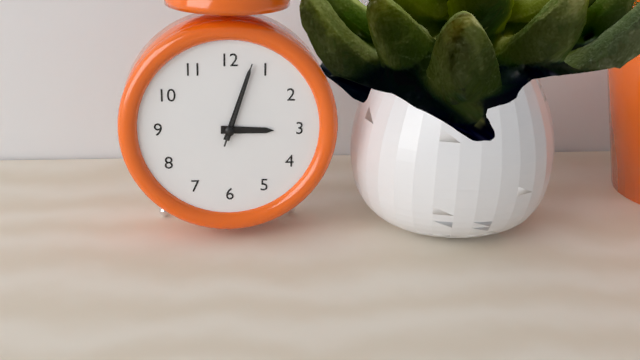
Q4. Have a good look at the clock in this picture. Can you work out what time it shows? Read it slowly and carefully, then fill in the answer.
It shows 3:03:03
